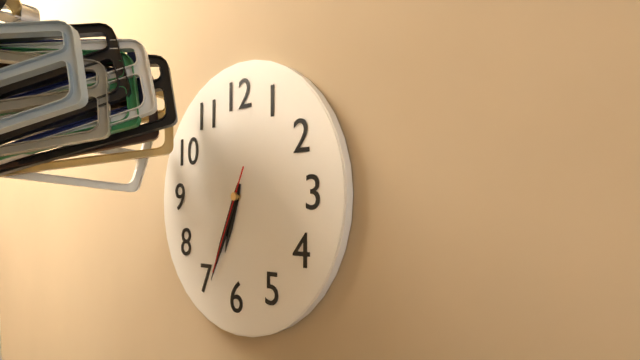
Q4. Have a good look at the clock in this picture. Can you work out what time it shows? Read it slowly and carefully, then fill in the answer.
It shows 6:34:34
